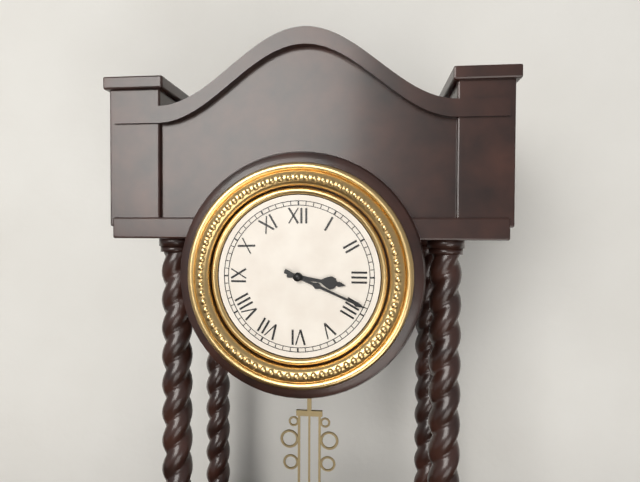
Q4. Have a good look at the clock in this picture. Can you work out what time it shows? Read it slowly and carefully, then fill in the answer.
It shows 3:19
